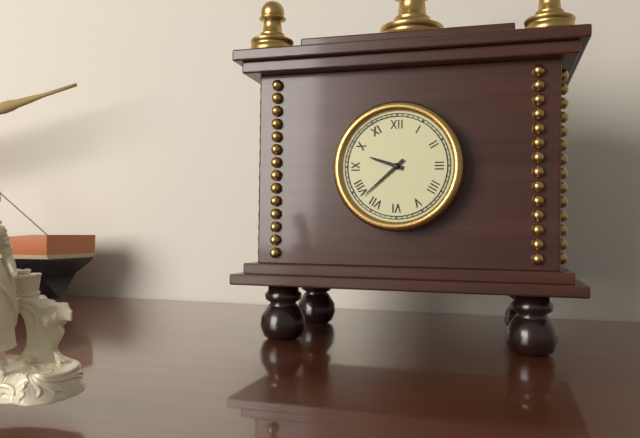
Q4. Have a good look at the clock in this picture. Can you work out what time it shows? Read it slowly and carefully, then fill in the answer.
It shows 9:38
